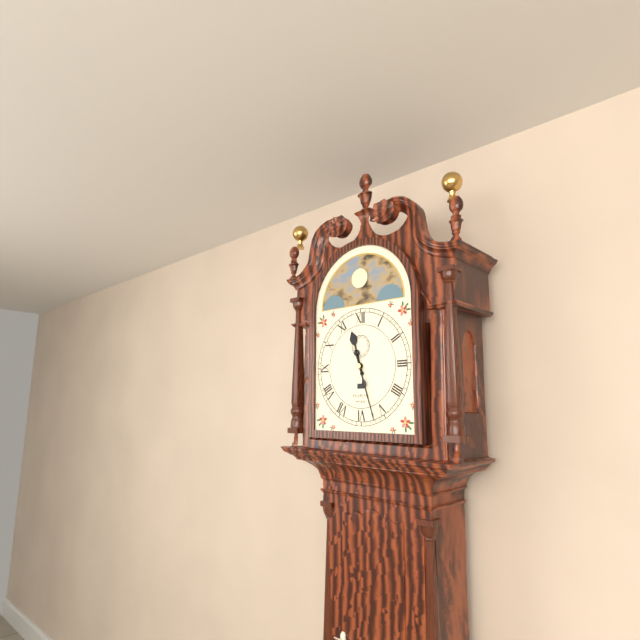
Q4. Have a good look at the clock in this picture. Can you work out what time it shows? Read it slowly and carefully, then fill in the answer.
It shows 11:27
